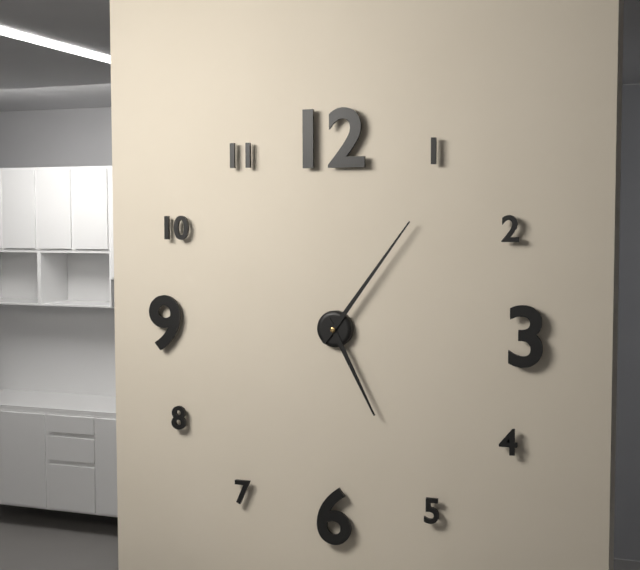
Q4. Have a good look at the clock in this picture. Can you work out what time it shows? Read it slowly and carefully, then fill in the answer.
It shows 5:06
